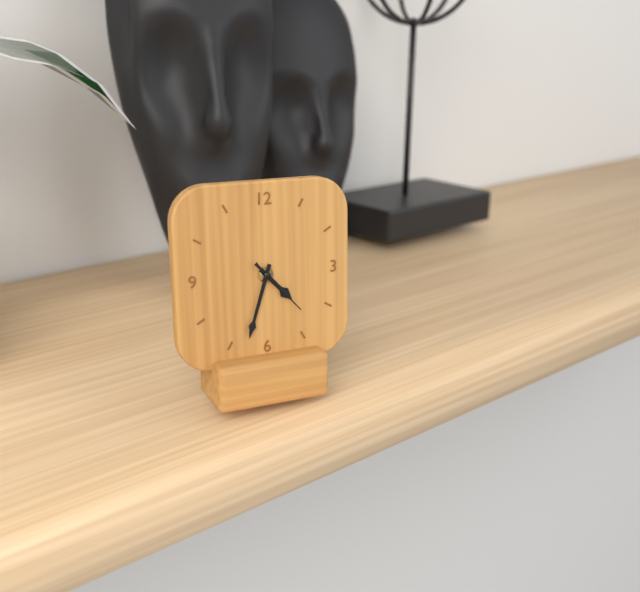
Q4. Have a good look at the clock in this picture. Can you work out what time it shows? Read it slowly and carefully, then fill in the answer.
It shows 4:33:23
